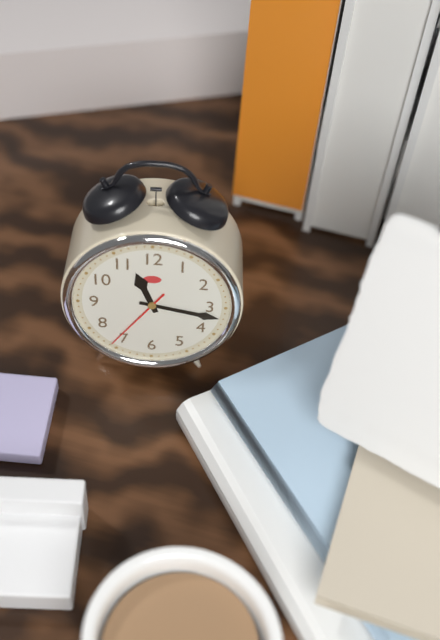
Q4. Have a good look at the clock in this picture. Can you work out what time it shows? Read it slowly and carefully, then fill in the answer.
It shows 11:17:36
